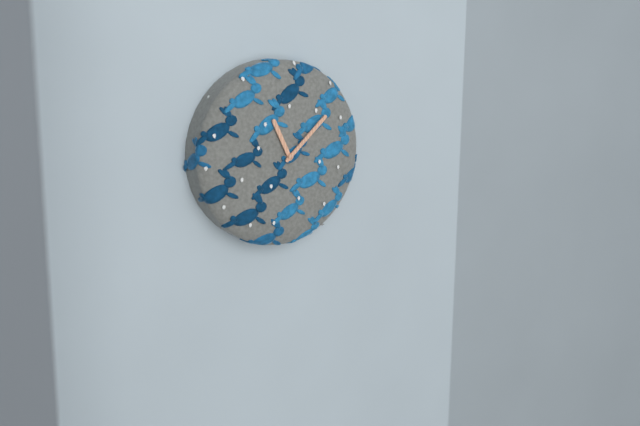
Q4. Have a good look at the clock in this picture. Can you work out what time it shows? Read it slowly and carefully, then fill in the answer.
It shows 11:08
